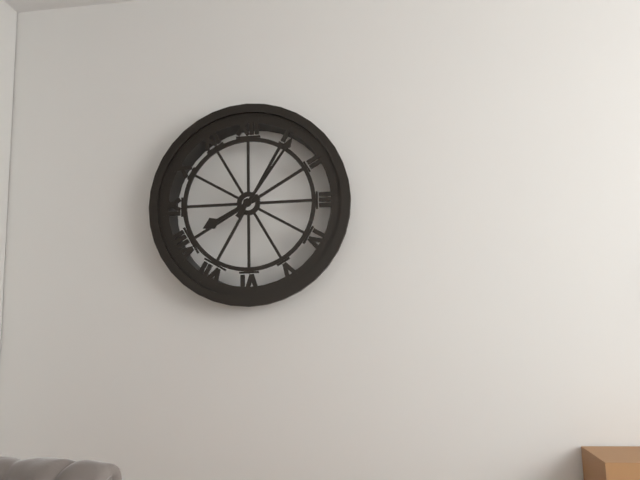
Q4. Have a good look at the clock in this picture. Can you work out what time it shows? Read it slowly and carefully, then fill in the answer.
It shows 8:06
